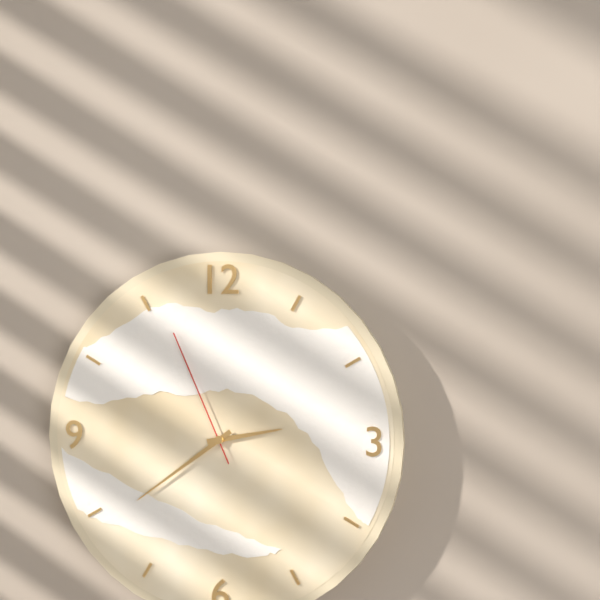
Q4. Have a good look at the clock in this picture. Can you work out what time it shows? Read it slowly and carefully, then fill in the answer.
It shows 2:39:56
